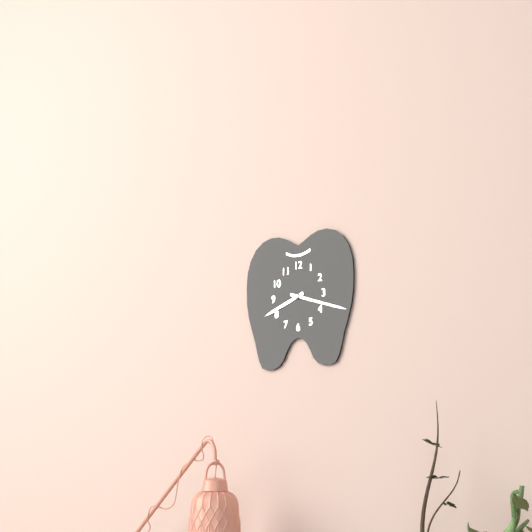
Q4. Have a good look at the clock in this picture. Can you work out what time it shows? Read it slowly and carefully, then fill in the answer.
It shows 8:18
